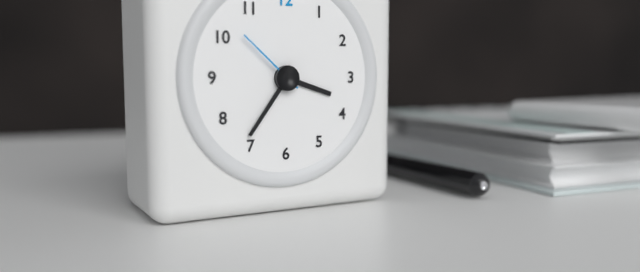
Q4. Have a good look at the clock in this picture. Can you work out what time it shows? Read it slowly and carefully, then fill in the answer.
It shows 3:36:52
